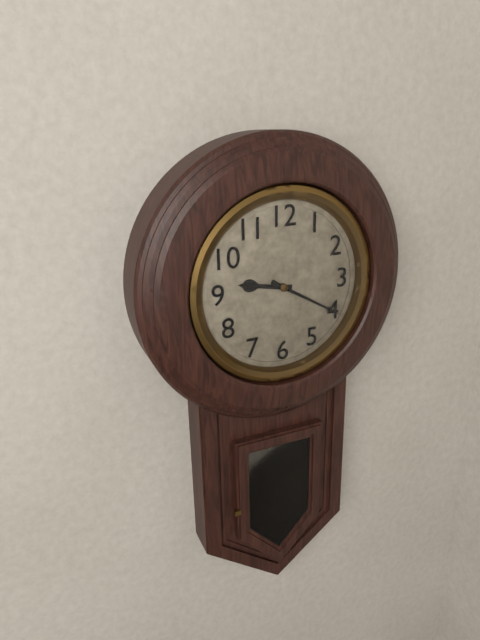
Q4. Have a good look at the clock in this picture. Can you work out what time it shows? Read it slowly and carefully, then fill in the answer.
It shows 9:20
